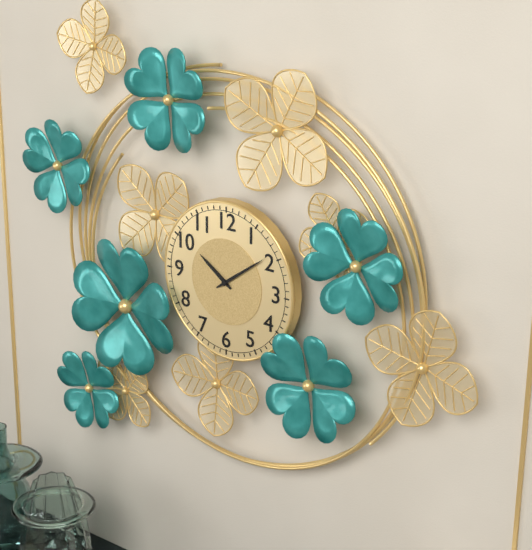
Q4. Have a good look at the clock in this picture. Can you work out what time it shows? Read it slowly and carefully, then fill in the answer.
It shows 10:09
